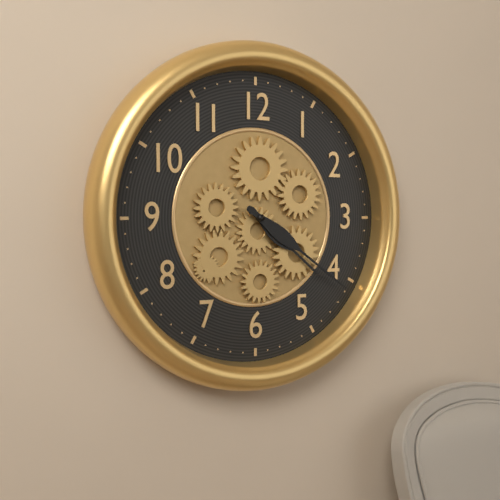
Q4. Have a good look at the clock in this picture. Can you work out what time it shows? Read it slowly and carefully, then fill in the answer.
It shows 4:21
